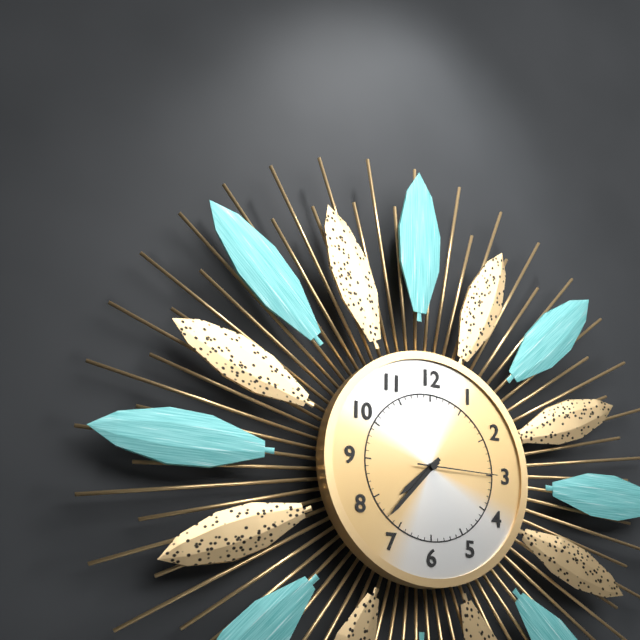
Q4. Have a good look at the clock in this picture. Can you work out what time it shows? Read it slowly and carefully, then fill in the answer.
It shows 7:37:15
